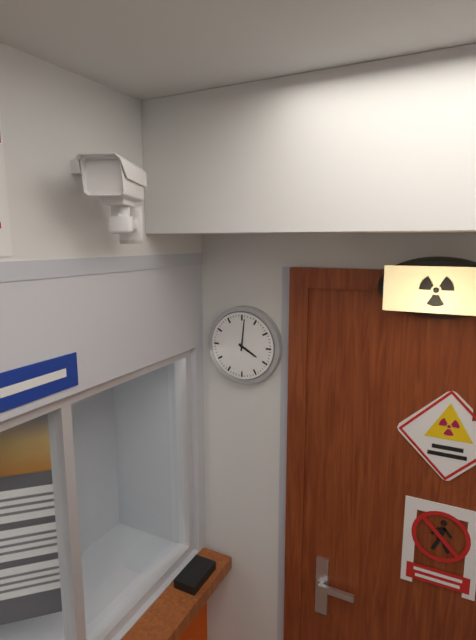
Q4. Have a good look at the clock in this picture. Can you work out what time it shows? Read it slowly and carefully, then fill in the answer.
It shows 4:01
